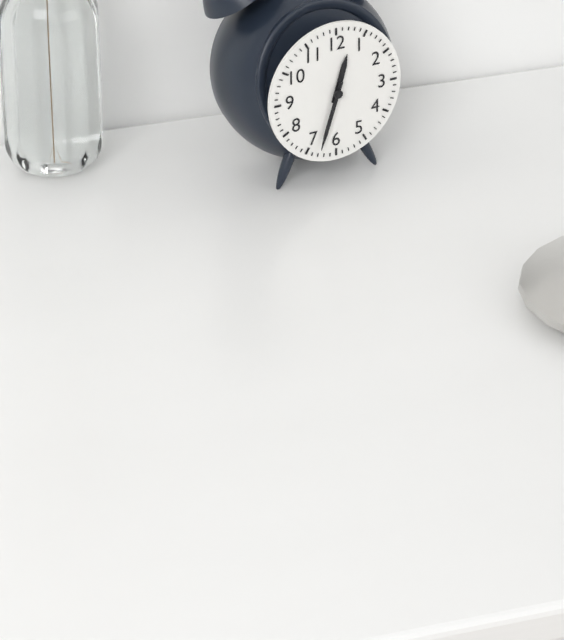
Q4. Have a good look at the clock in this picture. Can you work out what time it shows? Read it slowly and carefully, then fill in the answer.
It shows 12:33
